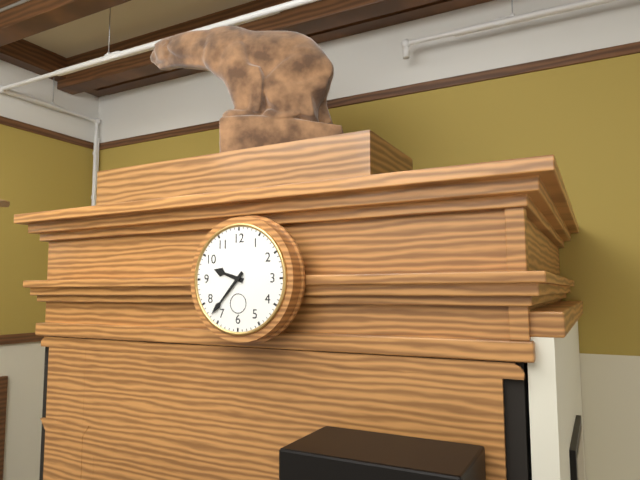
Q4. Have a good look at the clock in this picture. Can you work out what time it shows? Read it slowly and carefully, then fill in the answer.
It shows 9:37
